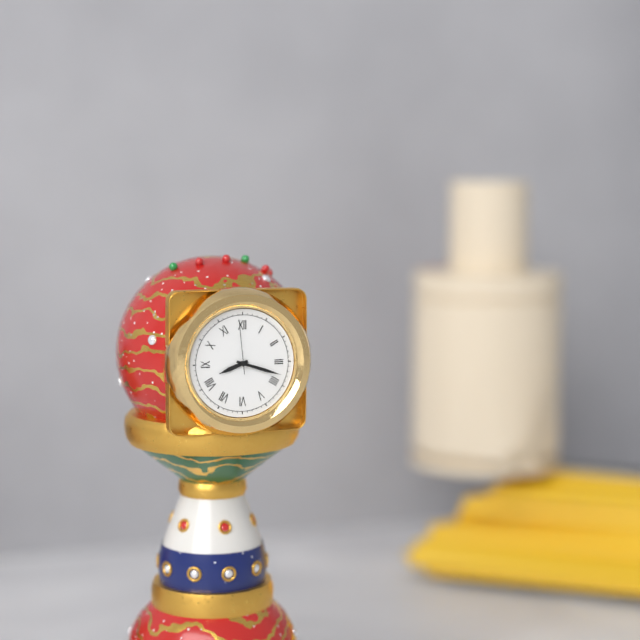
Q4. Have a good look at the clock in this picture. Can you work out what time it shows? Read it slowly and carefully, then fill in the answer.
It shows 8:18:59
